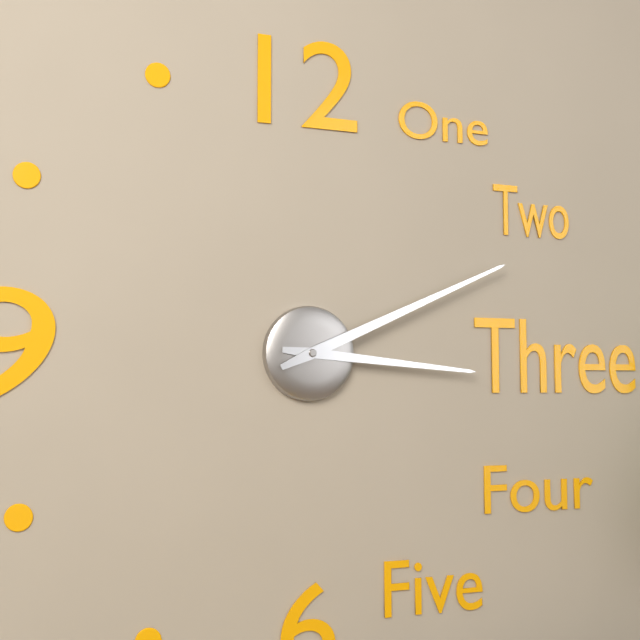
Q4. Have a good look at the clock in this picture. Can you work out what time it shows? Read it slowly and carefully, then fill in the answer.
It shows 3:11
